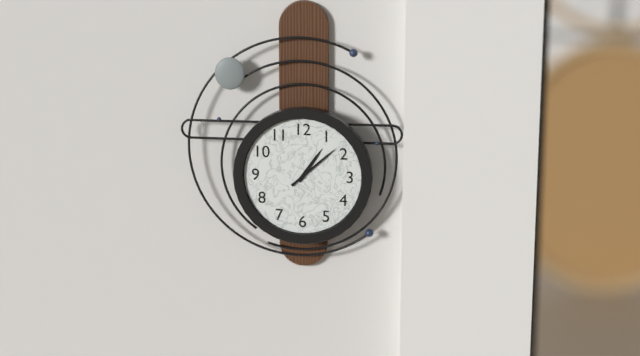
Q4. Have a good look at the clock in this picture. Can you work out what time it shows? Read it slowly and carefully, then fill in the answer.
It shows 1:08
